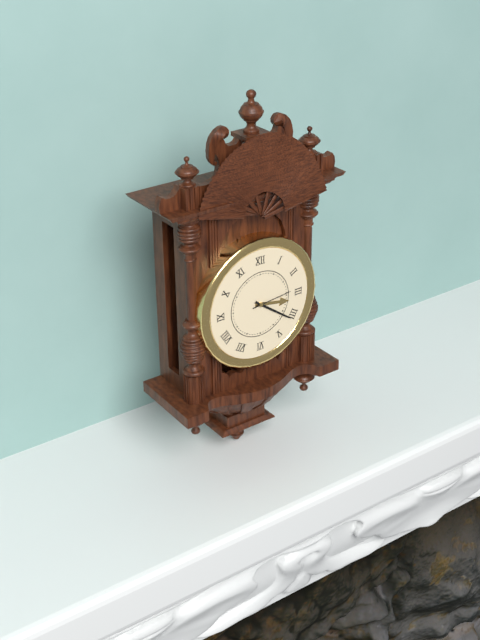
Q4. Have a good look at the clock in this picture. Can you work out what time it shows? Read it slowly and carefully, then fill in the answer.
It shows 3:21
